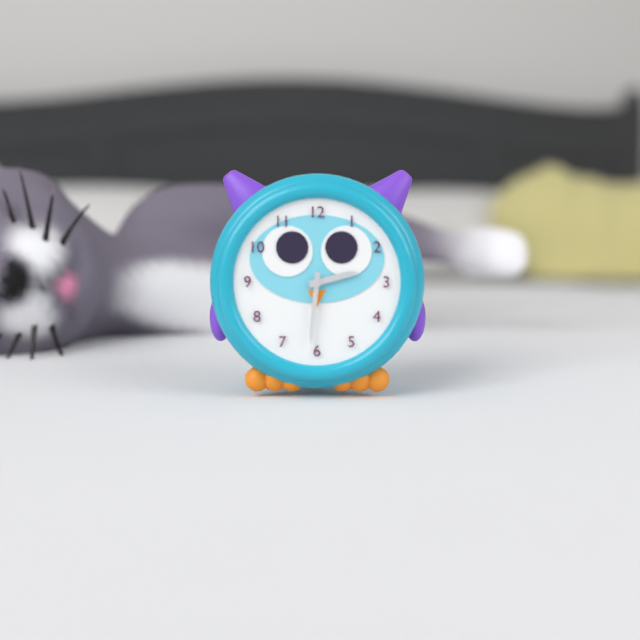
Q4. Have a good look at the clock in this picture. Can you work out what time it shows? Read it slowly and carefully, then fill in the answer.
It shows 2:31
